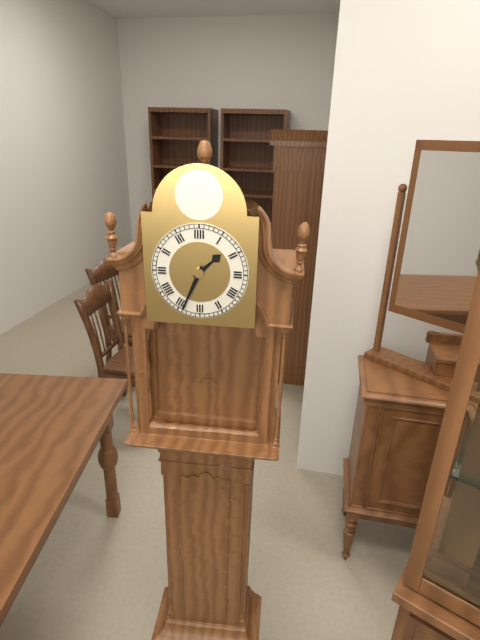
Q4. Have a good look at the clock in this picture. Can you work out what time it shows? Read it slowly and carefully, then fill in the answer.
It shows 1:34
